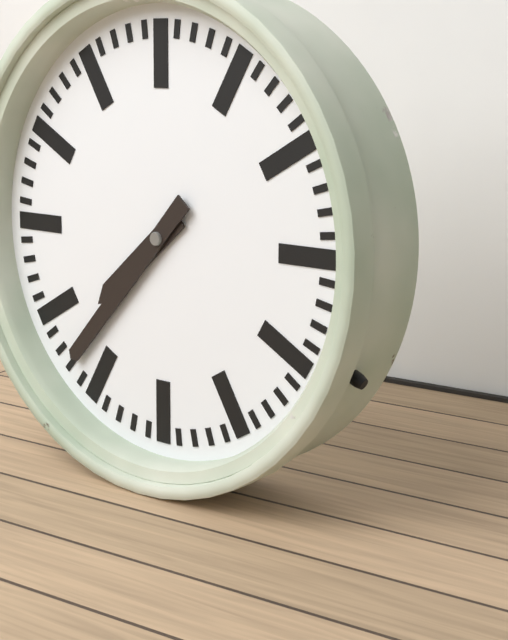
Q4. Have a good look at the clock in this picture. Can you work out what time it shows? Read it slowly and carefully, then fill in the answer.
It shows 7:37
